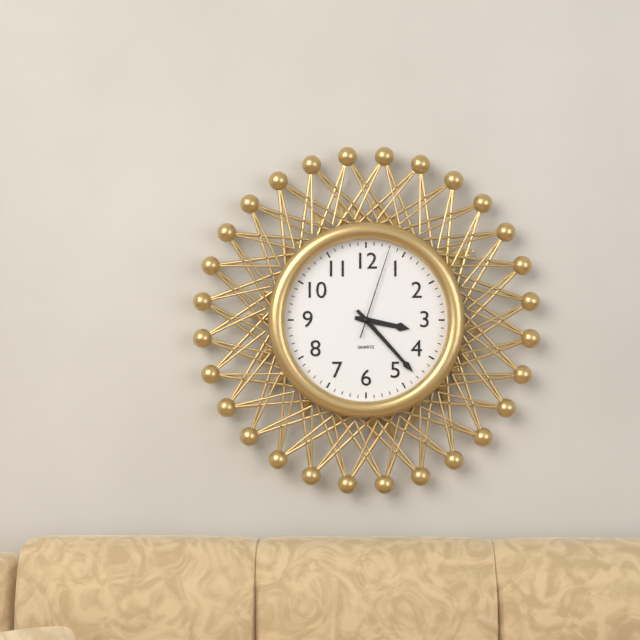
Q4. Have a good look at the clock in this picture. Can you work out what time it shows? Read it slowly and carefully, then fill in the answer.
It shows 3:23:03
